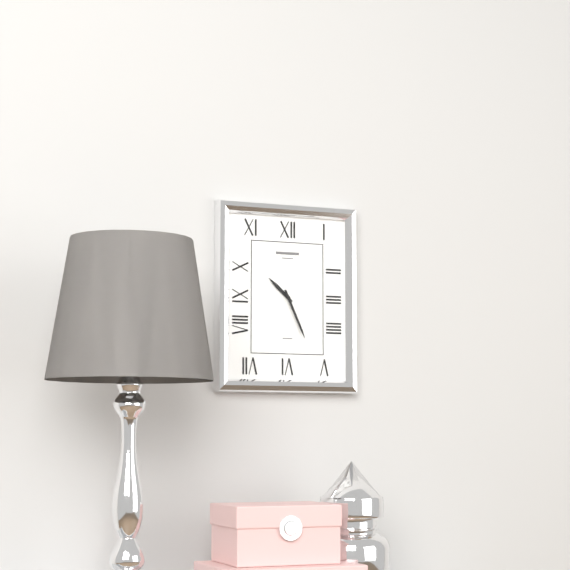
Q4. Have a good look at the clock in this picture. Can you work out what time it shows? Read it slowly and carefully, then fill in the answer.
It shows 10:26
